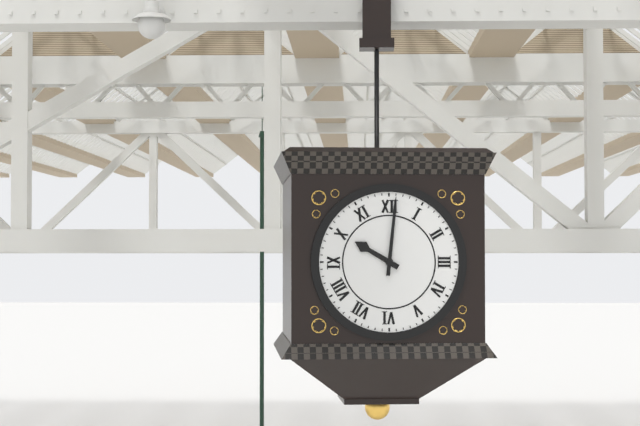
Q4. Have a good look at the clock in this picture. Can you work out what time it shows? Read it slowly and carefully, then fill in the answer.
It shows 10:01
